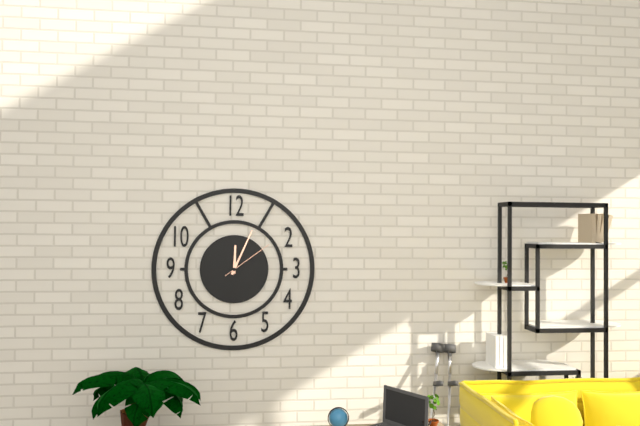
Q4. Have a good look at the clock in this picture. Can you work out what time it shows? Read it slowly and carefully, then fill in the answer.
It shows 12:04:09
